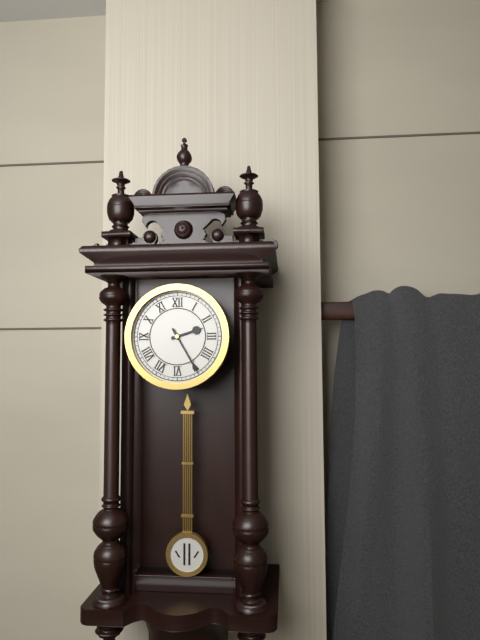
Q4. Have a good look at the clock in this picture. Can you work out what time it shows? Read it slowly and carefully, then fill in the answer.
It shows 2:25
